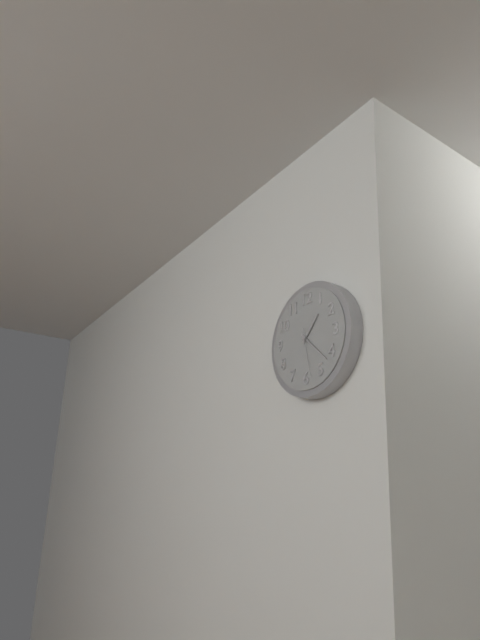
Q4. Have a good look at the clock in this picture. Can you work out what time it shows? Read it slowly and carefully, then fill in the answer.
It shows 1:22
